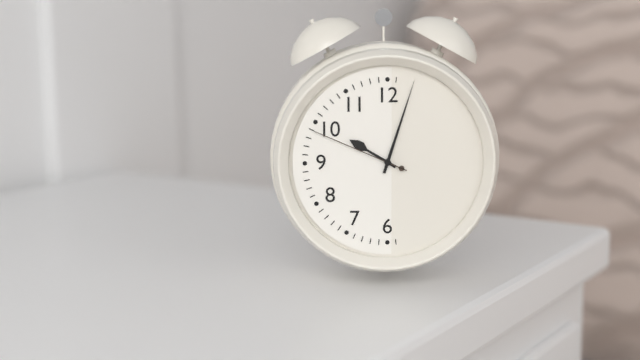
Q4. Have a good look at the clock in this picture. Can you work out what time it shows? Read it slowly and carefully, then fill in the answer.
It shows 10:03:49
